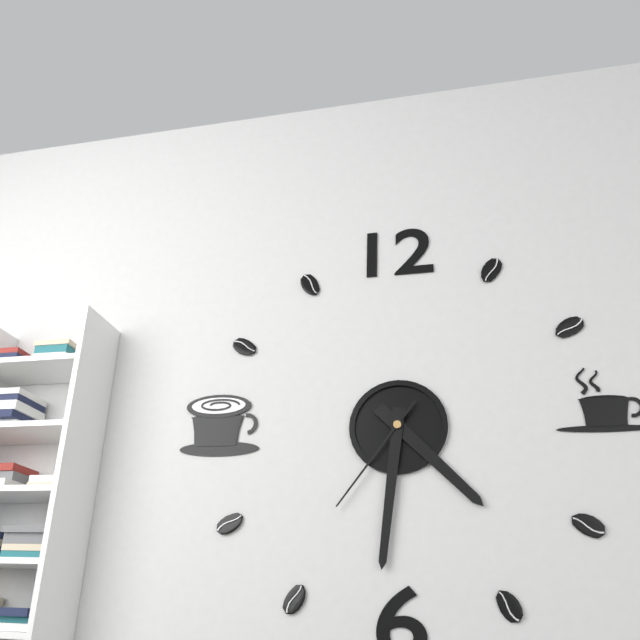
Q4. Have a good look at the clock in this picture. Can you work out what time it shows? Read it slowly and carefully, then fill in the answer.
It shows 4:31:36
